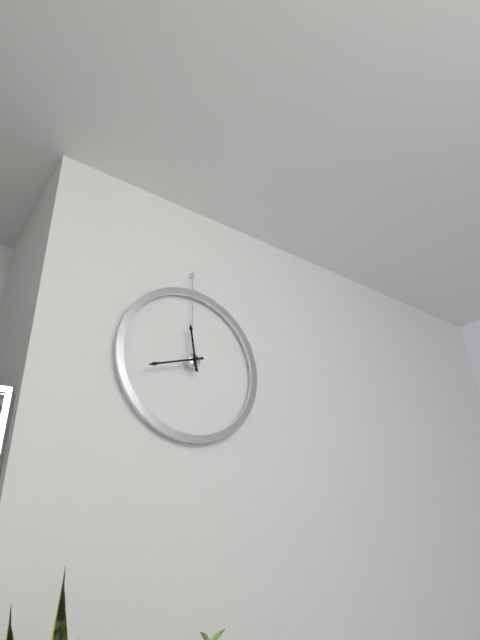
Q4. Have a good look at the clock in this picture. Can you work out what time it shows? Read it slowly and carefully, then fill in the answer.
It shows 11:42
